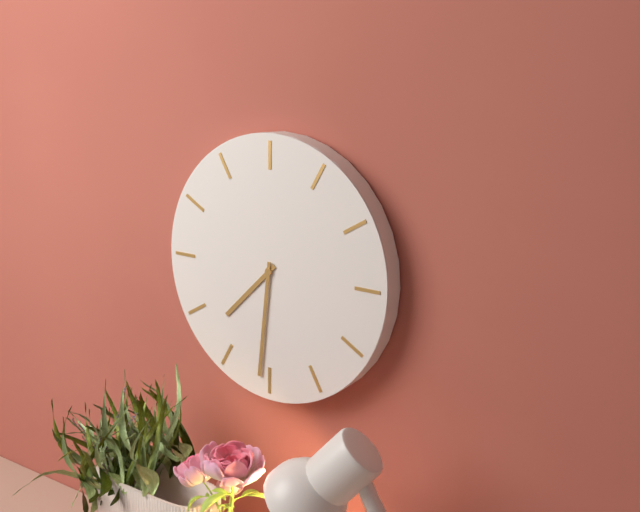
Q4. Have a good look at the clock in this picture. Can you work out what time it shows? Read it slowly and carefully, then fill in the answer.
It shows 7:31
